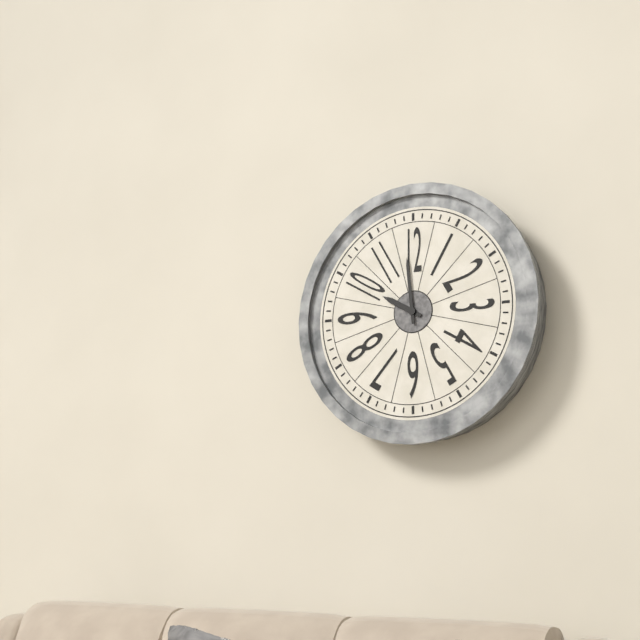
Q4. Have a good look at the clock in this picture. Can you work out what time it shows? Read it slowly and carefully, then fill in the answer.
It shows 9:59
